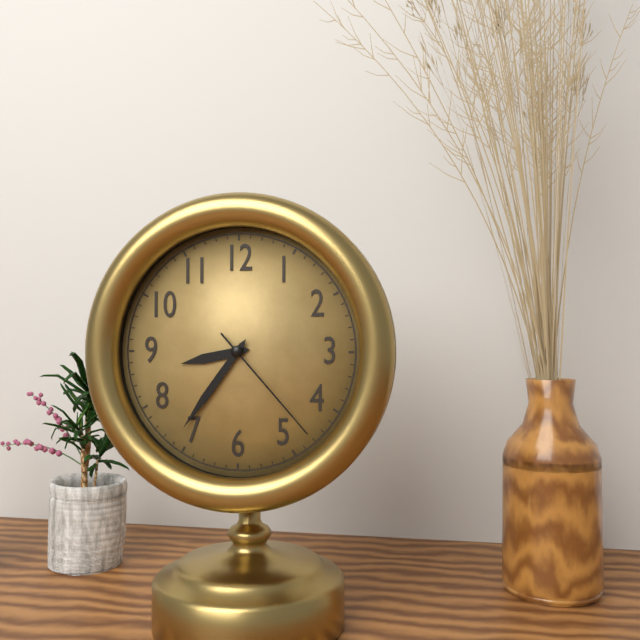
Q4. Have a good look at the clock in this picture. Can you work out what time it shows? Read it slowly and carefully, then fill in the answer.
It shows 8:36:23
